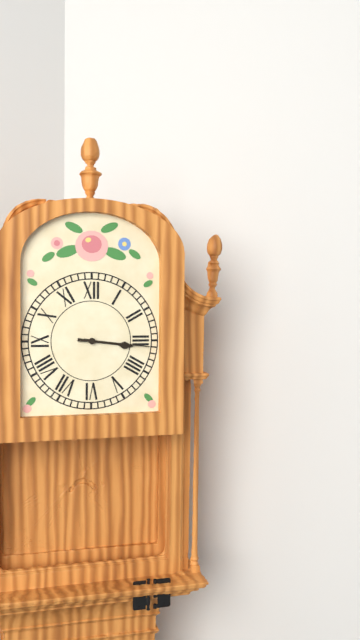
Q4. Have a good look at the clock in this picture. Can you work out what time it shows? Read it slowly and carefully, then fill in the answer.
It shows 3:16
